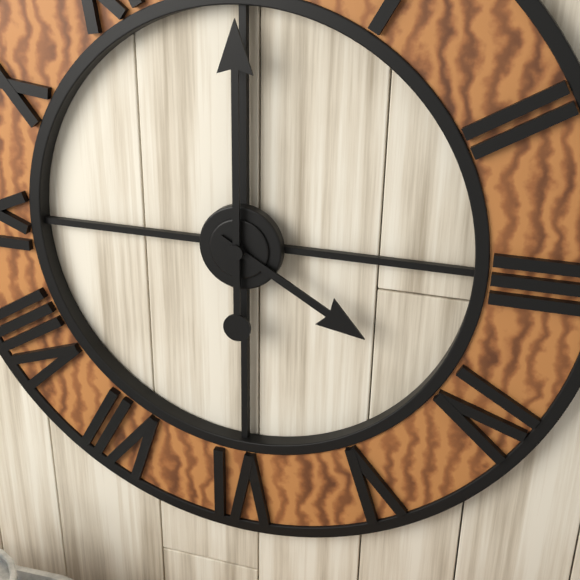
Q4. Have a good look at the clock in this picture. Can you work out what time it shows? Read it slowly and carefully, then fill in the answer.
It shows 4:00
